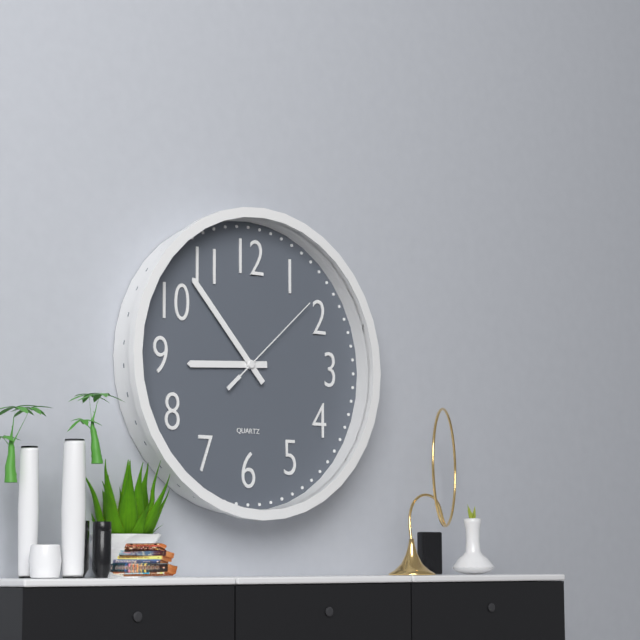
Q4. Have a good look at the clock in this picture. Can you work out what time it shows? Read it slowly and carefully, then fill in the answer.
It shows 8:53:08
